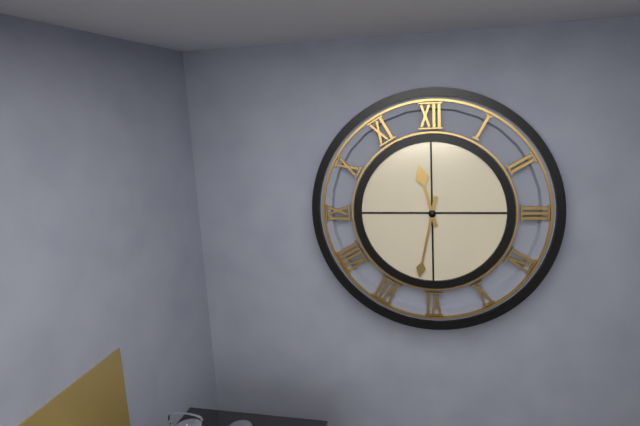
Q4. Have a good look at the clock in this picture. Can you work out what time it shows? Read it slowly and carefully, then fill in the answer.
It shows 11:32
